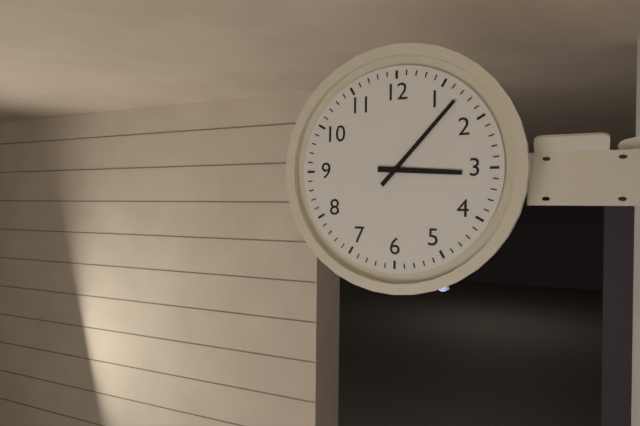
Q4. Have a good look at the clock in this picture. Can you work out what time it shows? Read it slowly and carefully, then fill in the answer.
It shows 3:07
